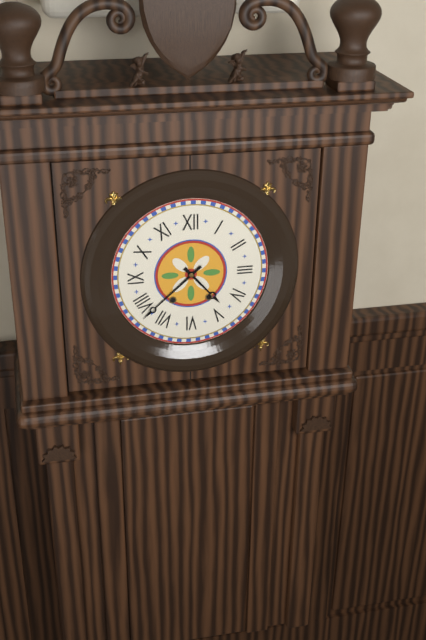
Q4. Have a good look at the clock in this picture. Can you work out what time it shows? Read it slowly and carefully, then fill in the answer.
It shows 4:38
